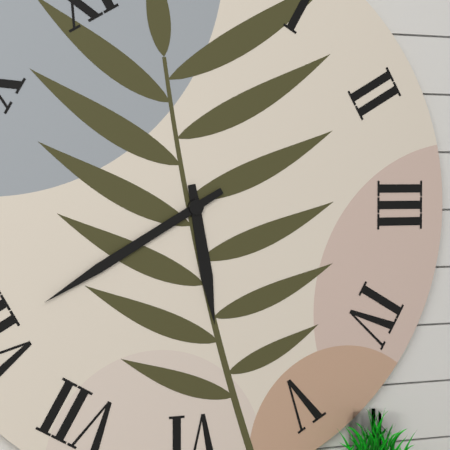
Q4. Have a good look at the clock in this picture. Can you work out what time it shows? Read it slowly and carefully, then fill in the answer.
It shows 5:40
